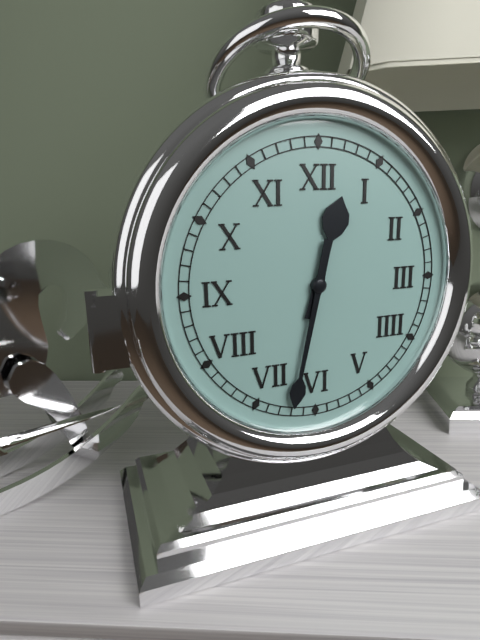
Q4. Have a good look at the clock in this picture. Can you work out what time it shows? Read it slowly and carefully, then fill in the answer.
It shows 12:32
